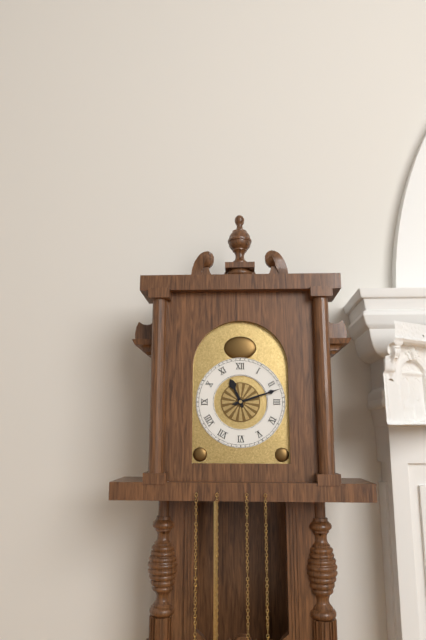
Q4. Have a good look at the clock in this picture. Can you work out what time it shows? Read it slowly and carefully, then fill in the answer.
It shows 11:12
